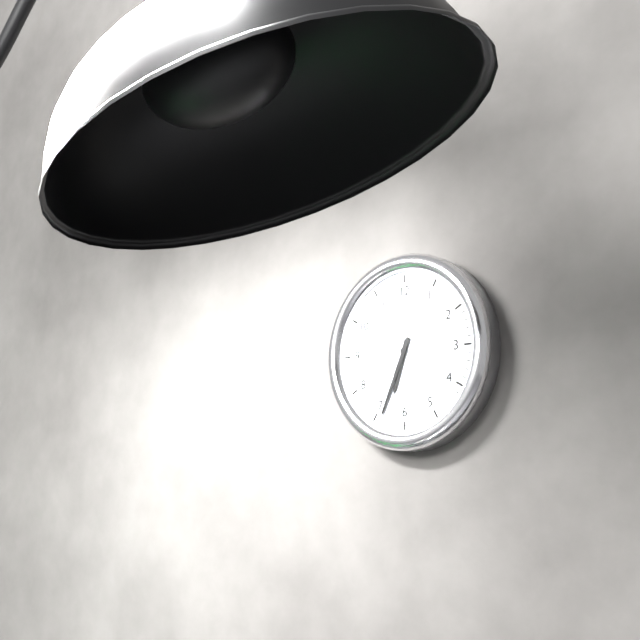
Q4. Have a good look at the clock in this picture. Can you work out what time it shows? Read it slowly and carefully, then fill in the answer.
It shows 6:34
